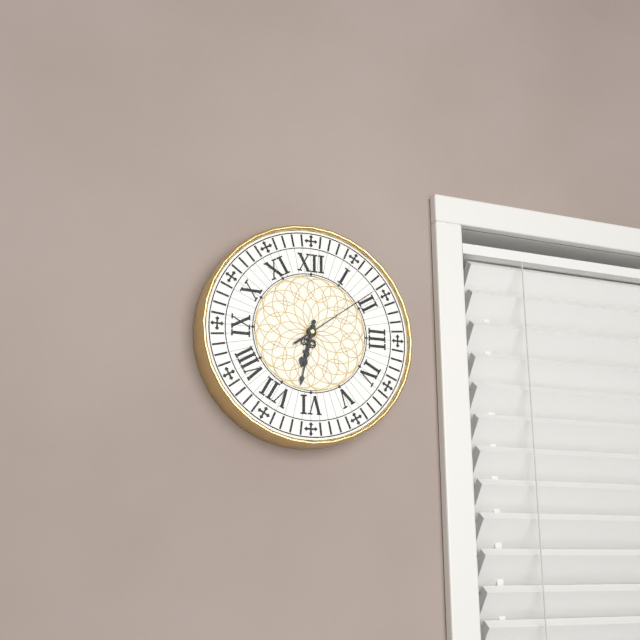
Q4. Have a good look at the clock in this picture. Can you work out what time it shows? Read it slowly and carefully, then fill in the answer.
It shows 6:32:09
